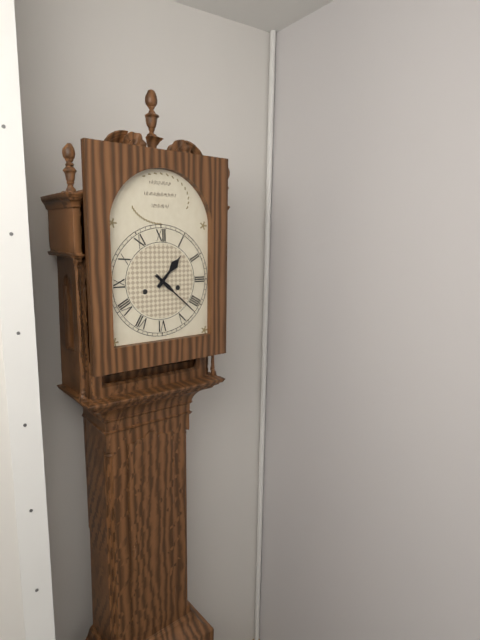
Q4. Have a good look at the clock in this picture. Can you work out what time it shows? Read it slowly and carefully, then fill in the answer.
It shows 1:22
